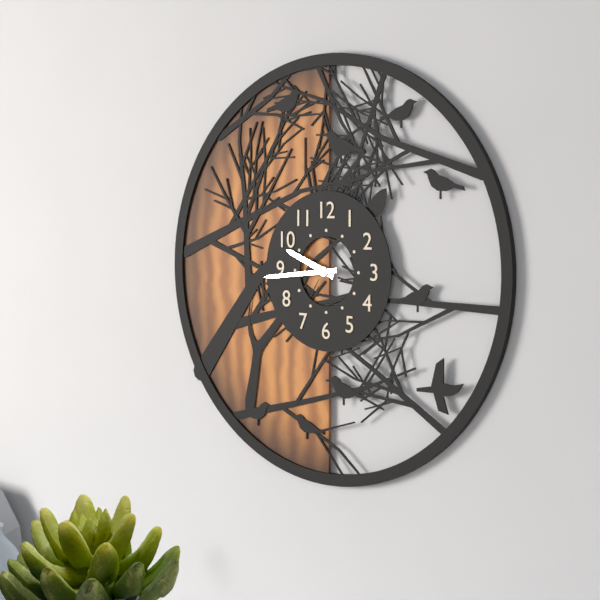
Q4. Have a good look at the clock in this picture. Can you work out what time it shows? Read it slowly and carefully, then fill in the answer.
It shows 9:44
